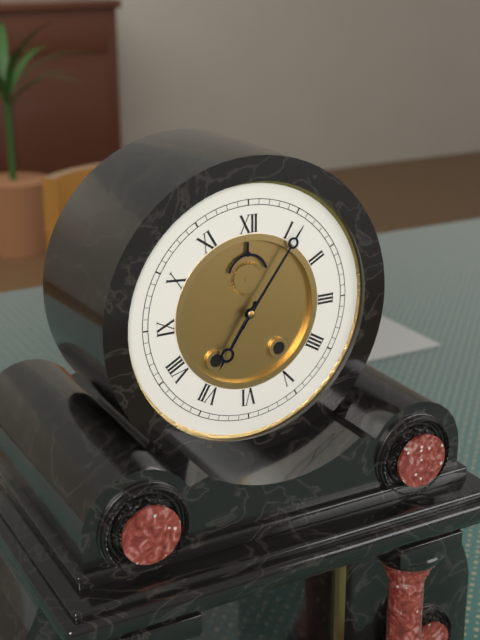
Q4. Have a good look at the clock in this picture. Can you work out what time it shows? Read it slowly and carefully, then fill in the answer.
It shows 7:06
